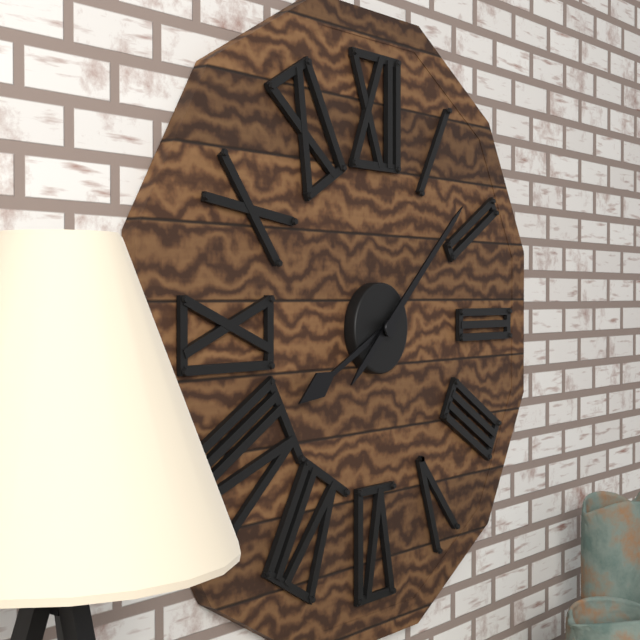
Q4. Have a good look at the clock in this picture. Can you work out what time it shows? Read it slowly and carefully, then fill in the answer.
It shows 8:08
